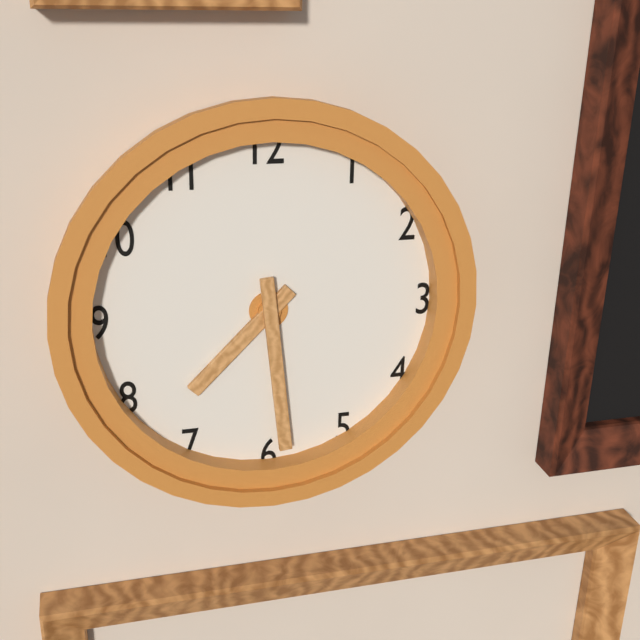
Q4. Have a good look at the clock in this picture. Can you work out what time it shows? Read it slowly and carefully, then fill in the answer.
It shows 7:29
